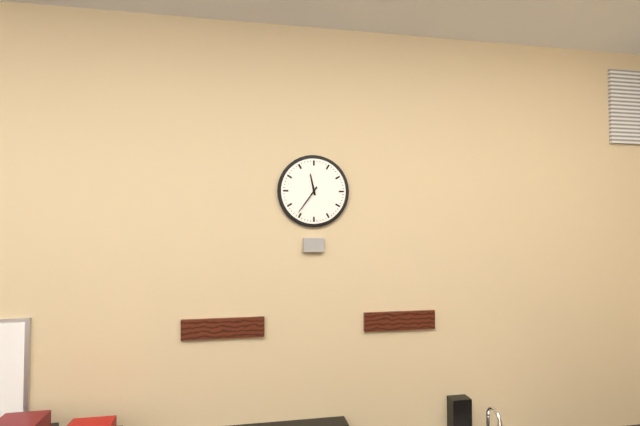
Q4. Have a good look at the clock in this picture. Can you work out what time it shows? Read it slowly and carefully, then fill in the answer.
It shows 11:36
